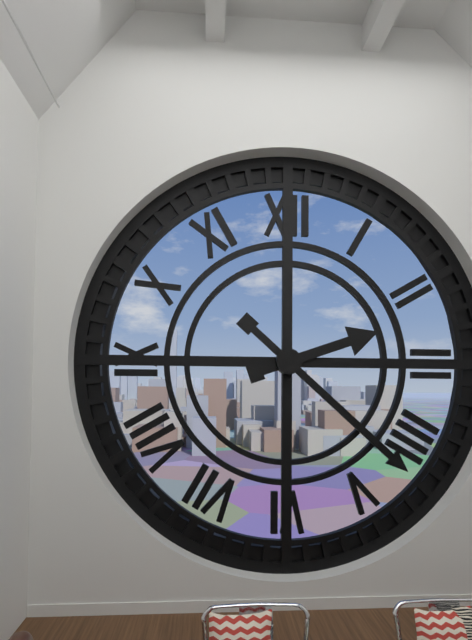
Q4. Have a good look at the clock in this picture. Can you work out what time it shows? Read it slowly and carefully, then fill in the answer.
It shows 2:22
